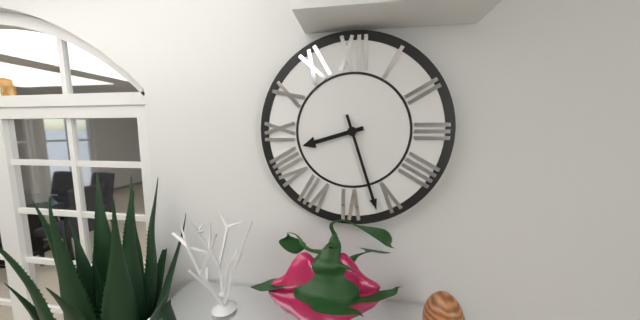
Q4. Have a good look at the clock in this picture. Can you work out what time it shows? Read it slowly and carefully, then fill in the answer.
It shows 8:27
